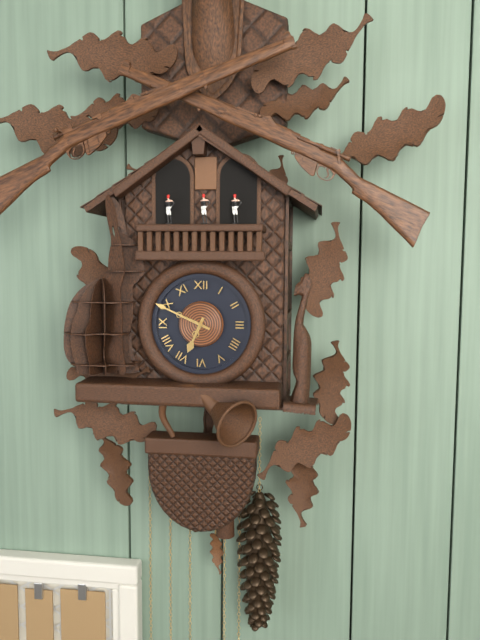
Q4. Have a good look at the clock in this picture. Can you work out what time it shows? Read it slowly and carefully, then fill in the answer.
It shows 6:49
